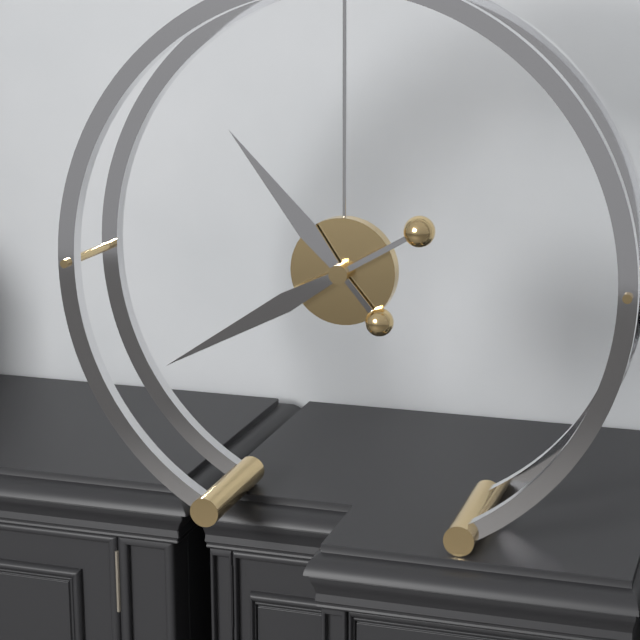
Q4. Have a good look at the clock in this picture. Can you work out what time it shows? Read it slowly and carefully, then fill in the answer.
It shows 10:40
